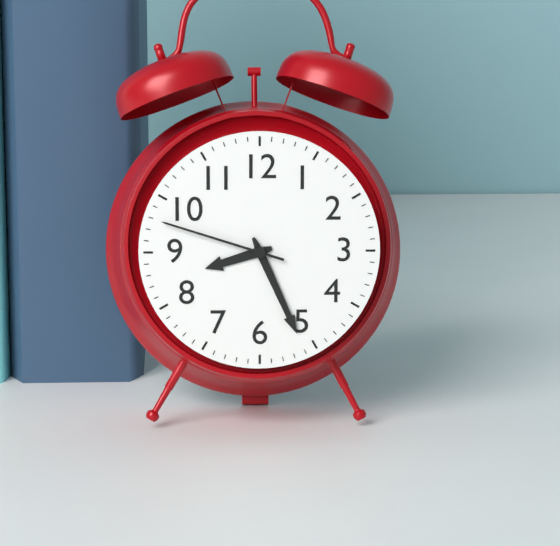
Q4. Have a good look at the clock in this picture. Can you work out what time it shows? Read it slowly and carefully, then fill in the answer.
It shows 8:26:48
